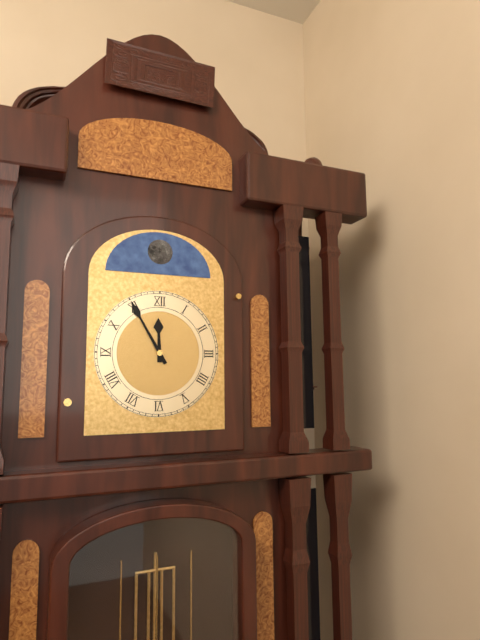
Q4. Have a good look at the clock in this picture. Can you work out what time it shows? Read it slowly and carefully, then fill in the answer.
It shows 11:55
